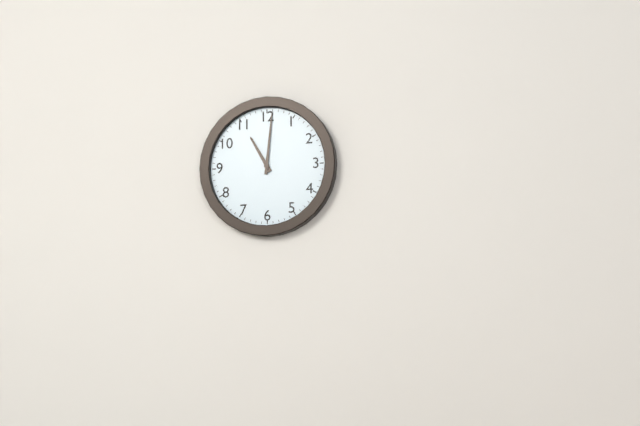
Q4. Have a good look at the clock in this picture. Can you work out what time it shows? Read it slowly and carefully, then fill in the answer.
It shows 11:01
